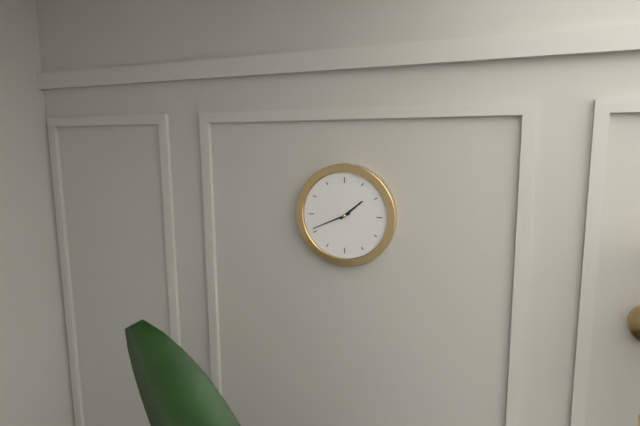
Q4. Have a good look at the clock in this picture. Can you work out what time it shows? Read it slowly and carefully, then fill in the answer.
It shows 1:41
